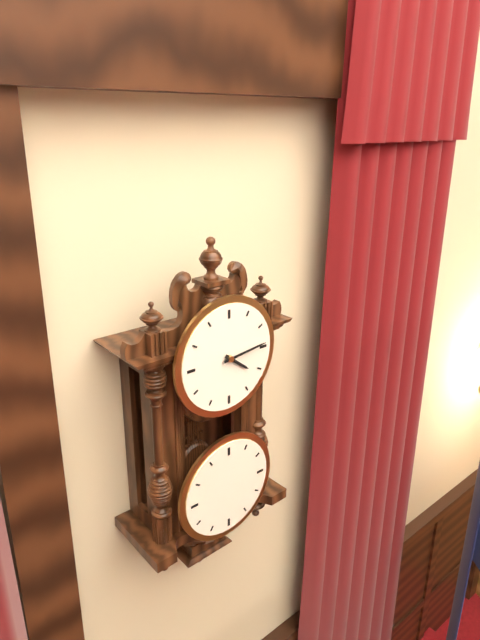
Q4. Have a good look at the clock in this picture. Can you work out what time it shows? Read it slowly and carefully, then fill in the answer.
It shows 4:14
